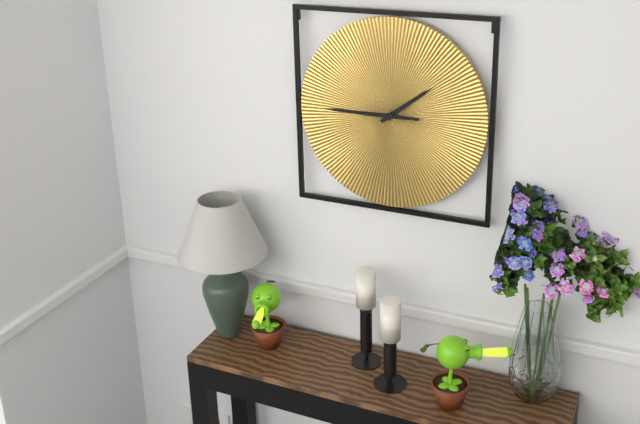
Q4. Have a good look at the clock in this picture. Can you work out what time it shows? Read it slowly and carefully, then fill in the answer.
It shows 1:45
